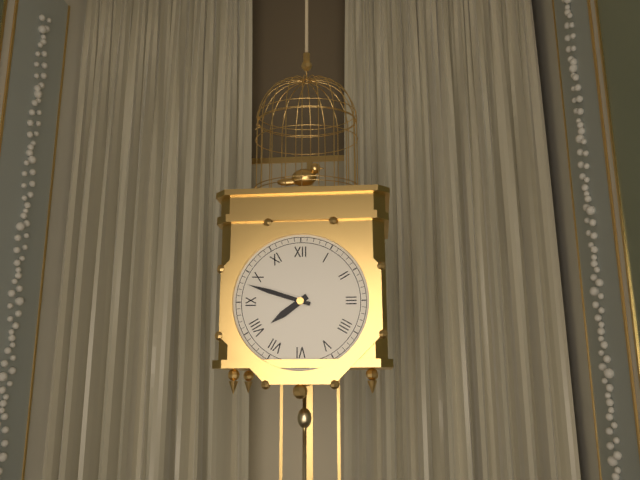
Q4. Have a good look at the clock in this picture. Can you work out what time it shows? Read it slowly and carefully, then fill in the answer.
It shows 7:48
